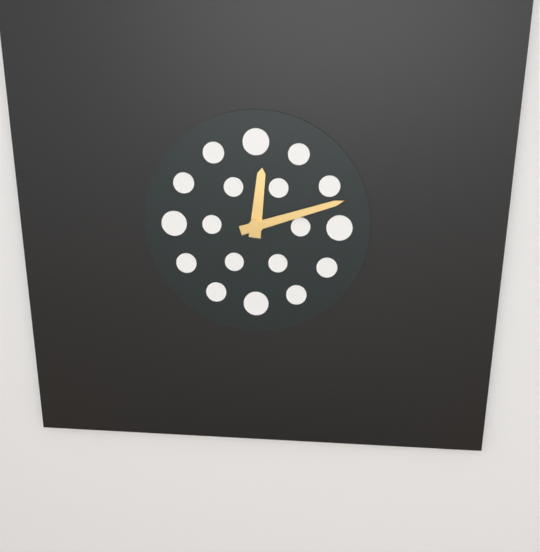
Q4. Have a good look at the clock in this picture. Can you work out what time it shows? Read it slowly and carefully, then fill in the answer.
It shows 12:12
